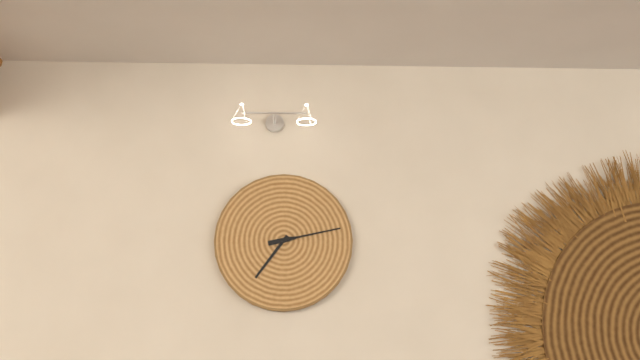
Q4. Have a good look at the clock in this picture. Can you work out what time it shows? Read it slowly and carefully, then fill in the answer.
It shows 7:13
